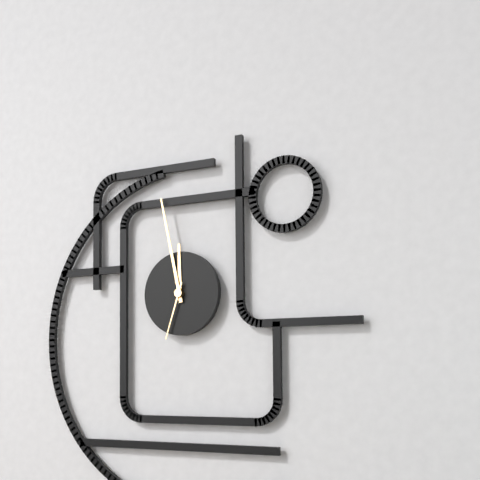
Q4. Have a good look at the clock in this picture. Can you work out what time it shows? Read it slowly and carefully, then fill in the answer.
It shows 11:58:33
